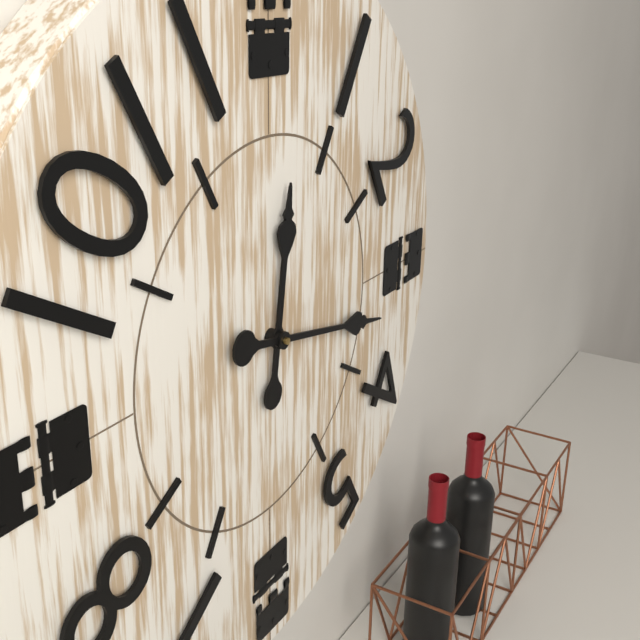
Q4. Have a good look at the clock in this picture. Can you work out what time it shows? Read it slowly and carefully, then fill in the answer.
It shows 12:17
